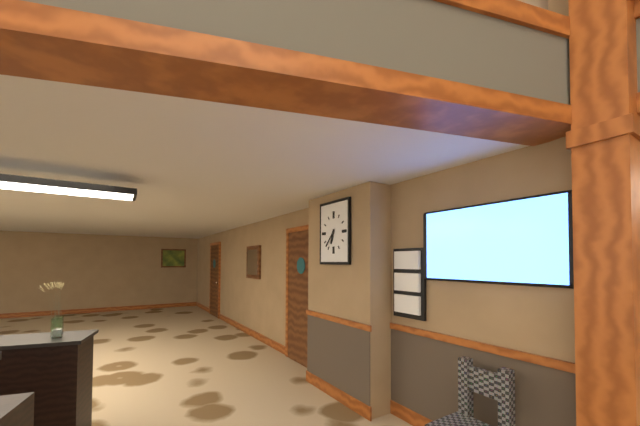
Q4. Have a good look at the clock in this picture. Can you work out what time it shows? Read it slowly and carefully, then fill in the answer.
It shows 6:37
